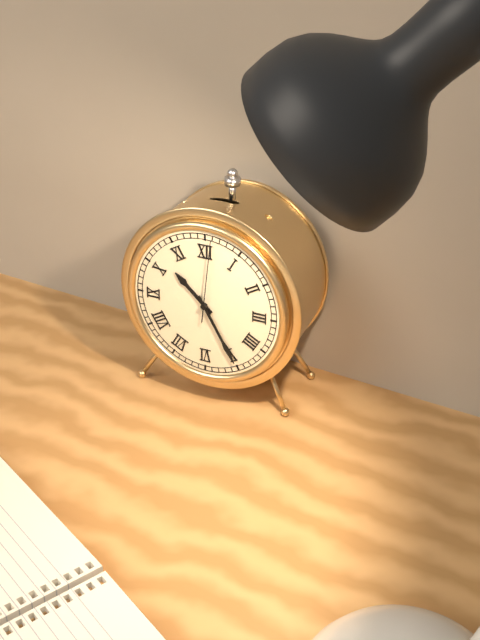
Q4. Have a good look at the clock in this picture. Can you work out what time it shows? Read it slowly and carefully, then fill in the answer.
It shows 10:25:01
